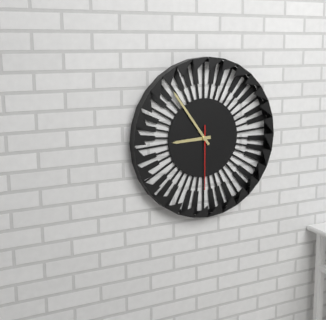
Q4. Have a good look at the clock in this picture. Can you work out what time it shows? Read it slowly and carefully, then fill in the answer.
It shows 8:54:30
